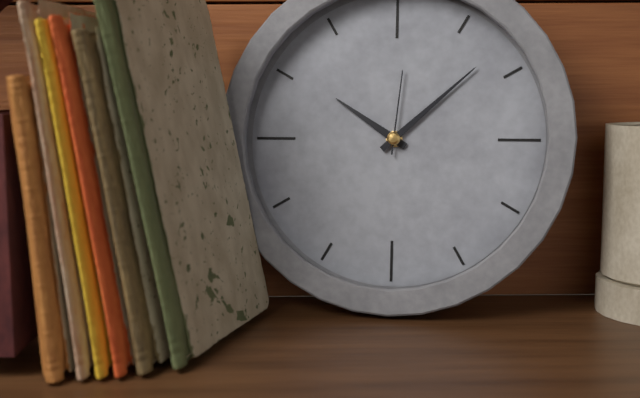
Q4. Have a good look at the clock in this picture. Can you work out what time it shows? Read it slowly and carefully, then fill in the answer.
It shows 10:08:01
